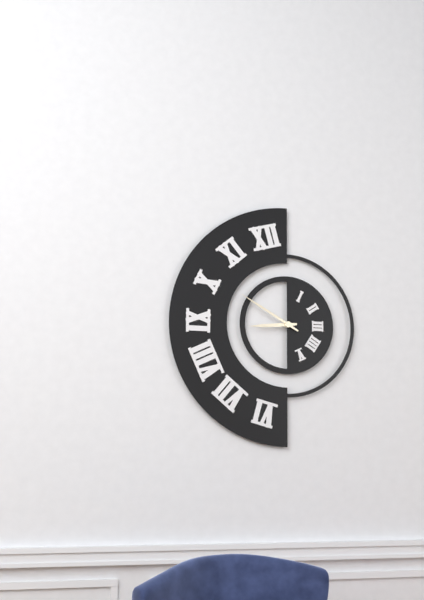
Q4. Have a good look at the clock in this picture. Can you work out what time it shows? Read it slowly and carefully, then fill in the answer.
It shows 8:50
